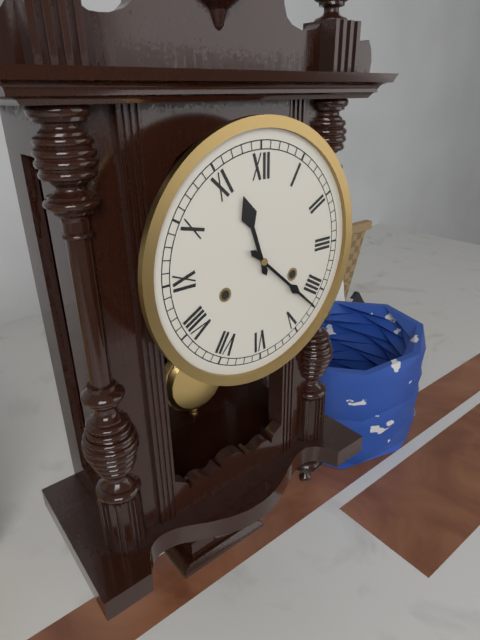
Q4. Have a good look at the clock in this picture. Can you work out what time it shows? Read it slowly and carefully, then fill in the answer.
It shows 11:22
